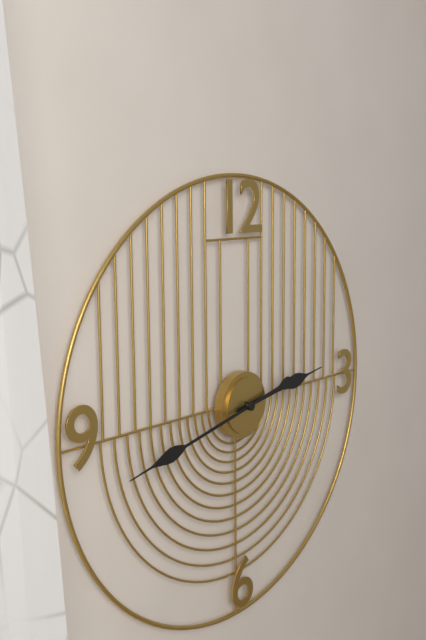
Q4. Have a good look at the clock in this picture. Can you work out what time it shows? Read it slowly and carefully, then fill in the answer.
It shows 2:43
